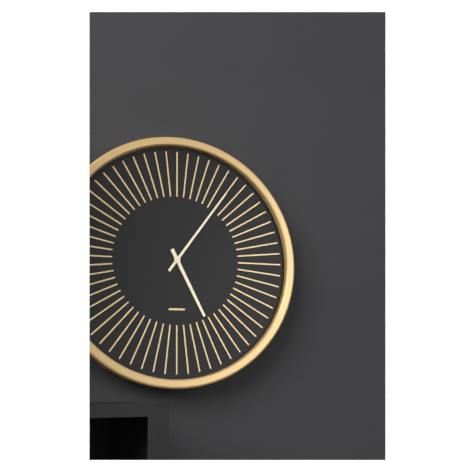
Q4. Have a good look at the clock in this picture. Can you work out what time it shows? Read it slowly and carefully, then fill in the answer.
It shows 5:06
